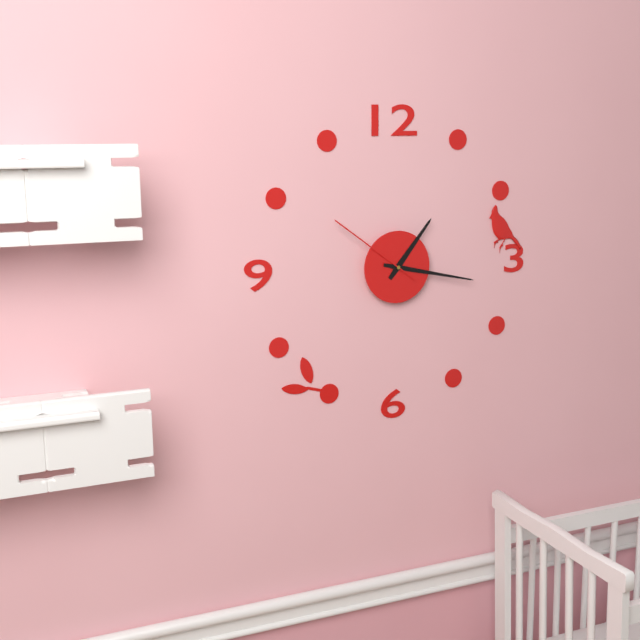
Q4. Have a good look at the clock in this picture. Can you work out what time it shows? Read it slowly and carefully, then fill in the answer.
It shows 1:17:51
